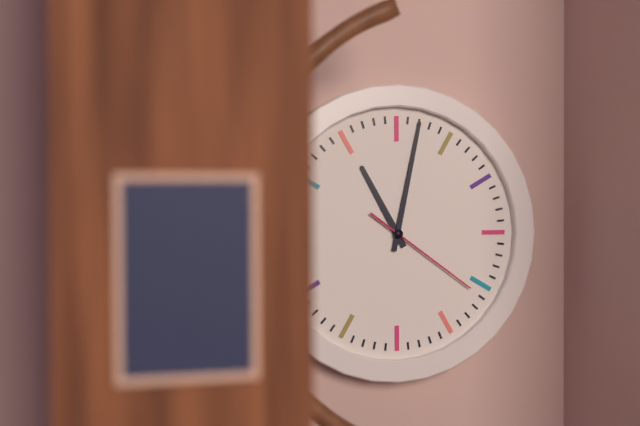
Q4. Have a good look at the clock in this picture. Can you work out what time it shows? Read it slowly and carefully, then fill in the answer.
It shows 11:02:21
